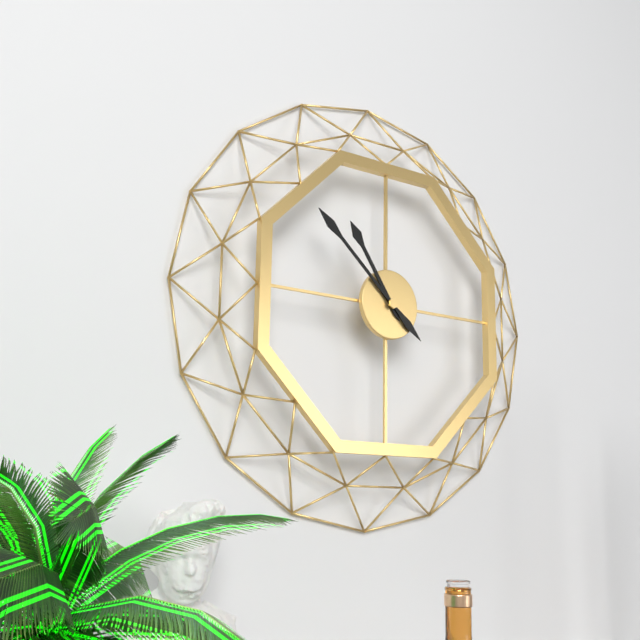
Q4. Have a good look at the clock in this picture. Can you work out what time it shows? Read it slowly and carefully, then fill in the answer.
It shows 10:52
